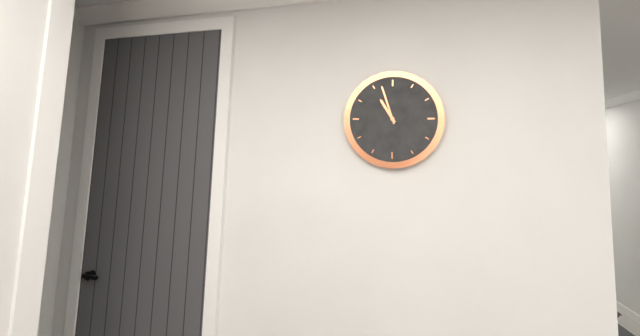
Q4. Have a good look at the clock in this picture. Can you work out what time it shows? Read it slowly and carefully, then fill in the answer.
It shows 10:57
